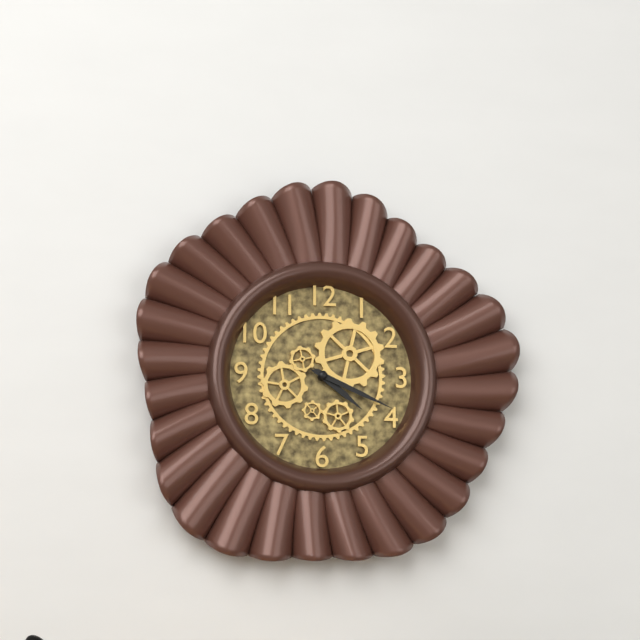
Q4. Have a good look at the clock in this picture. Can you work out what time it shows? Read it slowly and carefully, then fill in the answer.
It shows 4:19
